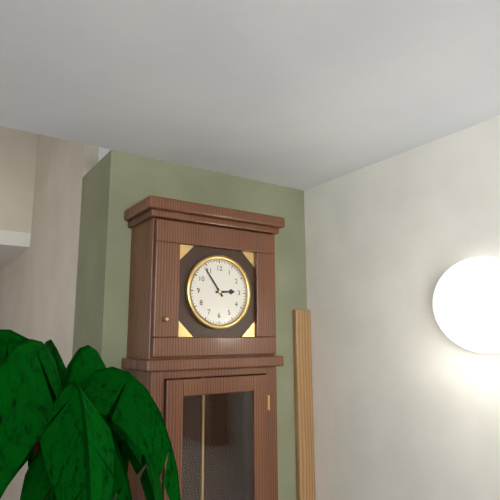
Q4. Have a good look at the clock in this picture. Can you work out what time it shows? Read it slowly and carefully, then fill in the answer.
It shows 2:54
